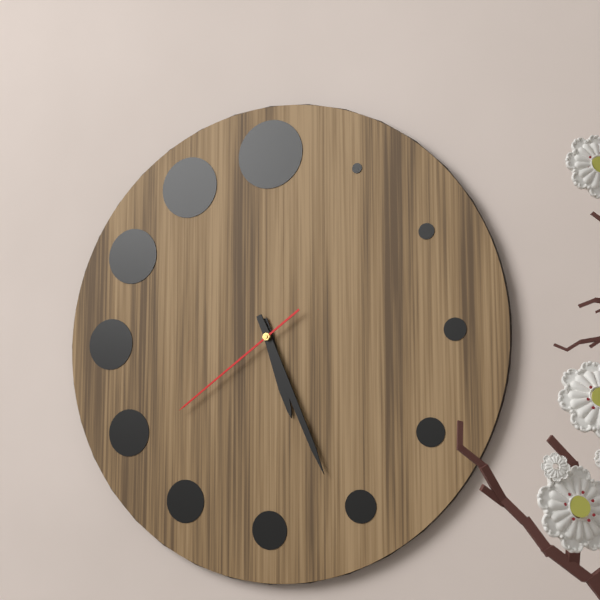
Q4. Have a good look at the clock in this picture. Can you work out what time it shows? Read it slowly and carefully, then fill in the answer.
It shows 5:26:39
